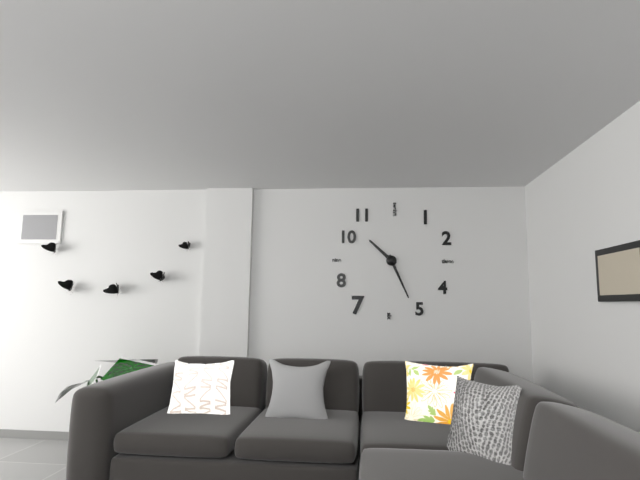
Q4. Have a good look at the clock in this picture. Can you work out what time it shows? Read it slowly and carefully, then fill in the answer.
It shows 10:26
